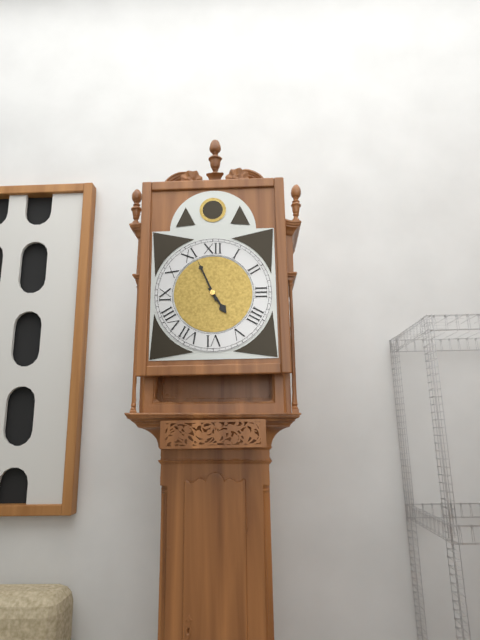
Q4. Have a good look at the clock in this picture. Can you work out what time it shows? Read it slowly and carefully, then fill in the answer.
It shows 4:56
